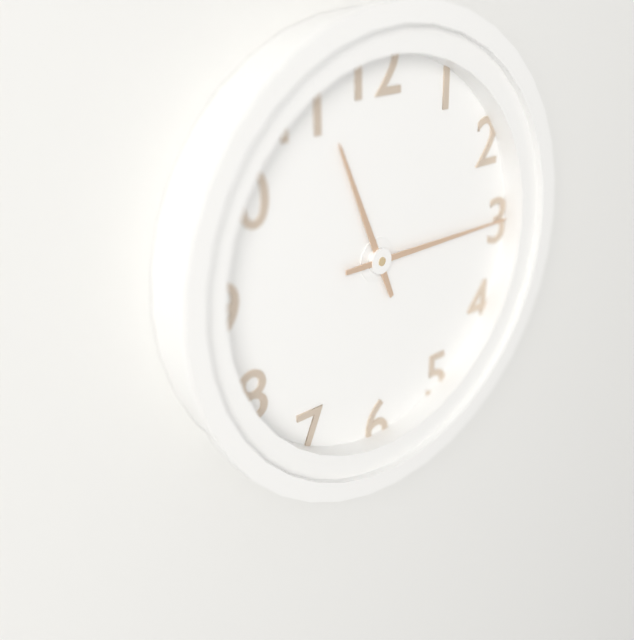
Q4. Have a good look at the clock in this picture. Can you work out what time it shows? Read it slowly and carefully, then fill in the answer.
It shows 11:15
